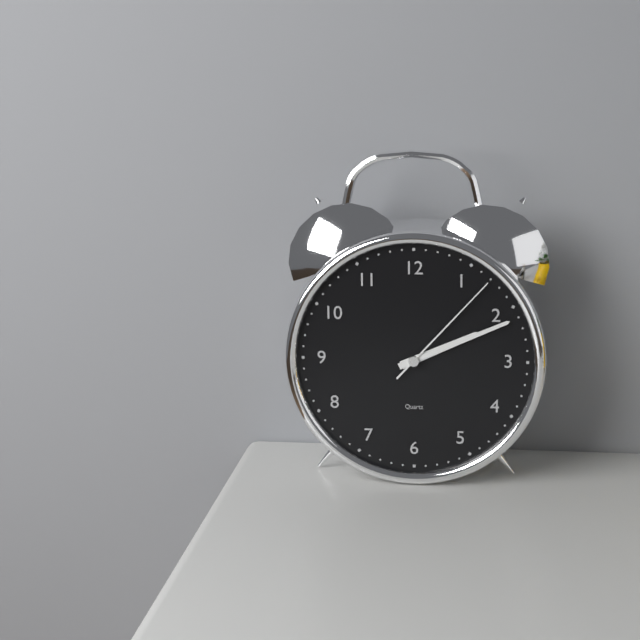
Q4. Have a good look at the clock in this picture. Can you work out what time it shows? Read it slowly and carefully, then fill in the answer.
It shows 2:11:07
